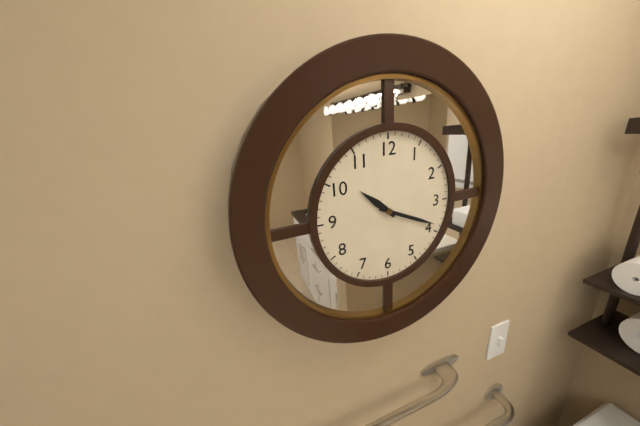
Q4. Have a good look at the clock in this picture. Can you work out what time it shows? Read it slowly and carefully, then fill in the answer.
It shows 10:19
